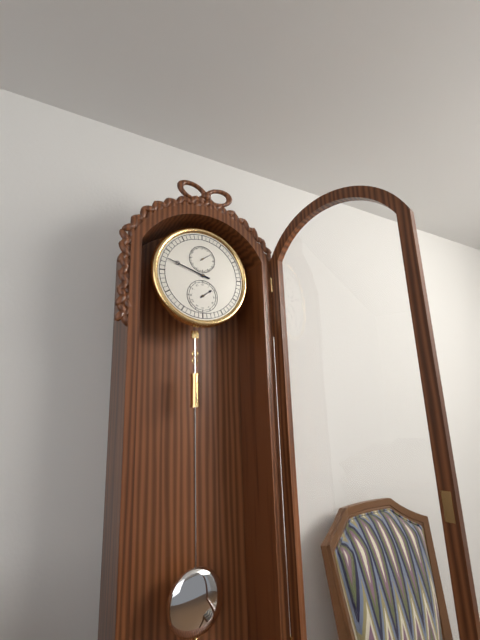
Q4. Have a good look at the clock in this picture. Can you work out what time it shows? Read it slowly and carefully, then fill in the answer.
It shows 1:48
